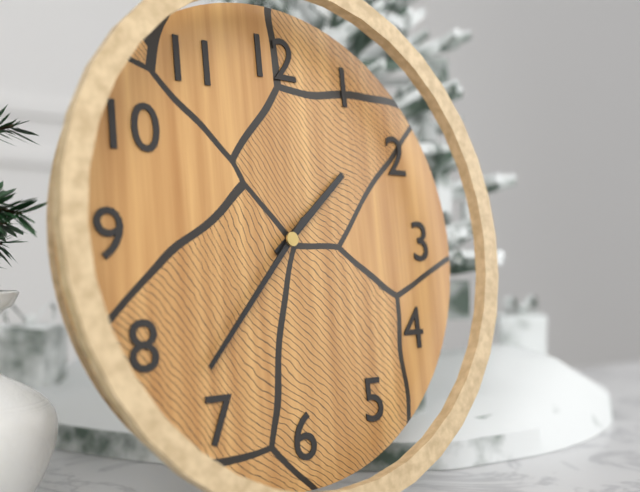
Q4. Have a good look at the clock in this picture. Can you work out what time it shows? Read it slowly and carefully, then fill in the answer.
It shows 1:37
